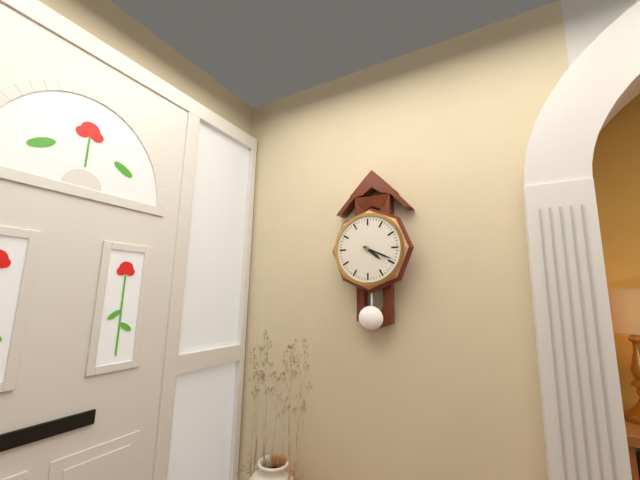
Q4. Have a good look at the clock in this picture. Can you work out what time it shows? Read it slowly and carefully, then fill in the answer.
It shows 4:19
